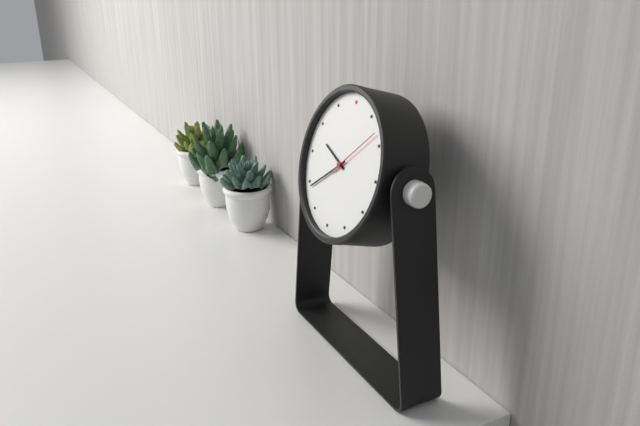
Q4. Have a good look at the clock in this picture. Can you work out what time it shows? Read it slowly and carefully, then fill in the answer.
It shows 9:39:08
